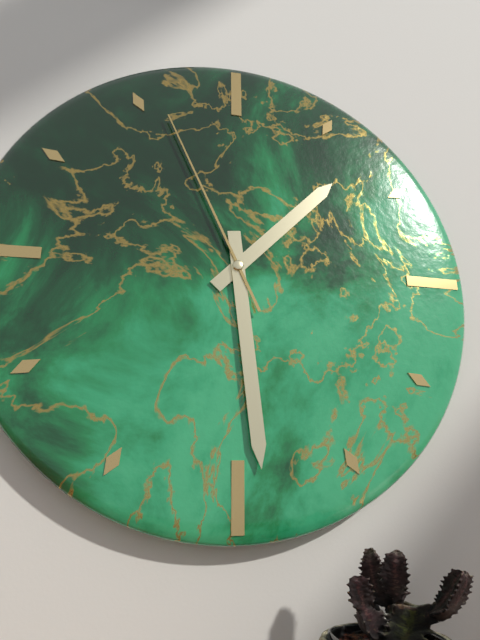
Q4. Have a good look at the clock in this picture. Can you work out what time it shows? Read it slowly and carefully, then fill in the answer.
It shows 1:29:56
